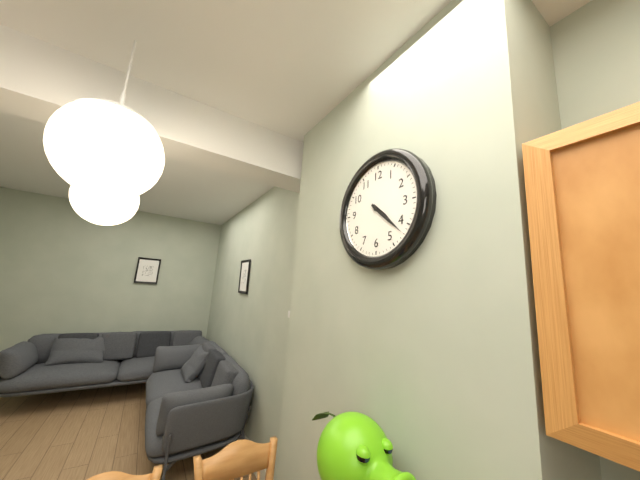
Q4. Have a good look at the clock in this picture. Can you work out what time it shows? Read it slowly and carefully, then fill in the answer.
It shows 4:22
